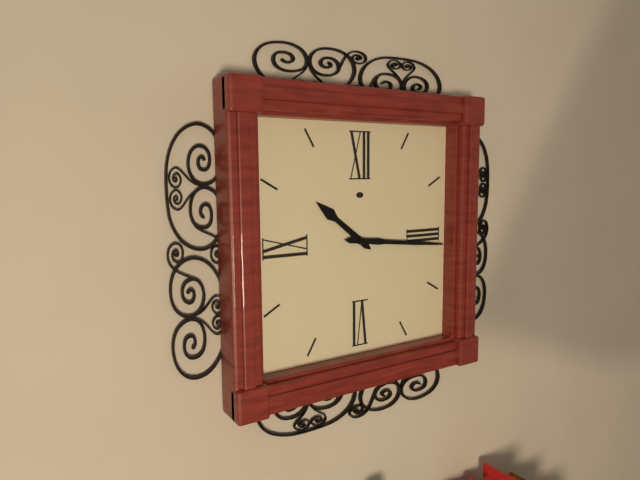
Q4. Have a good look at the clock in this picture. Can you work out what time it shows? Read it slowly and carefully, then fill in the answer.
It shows 10:16
